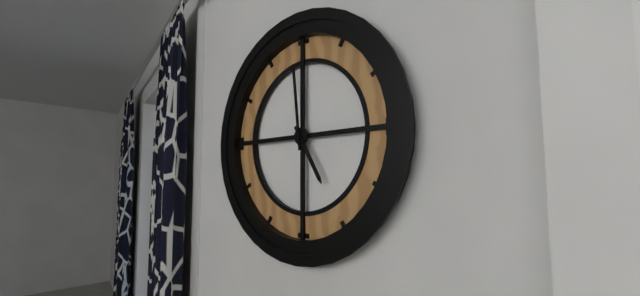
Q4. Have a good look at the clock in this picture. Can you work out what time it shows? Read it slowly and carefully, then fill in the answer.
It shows 4:59
